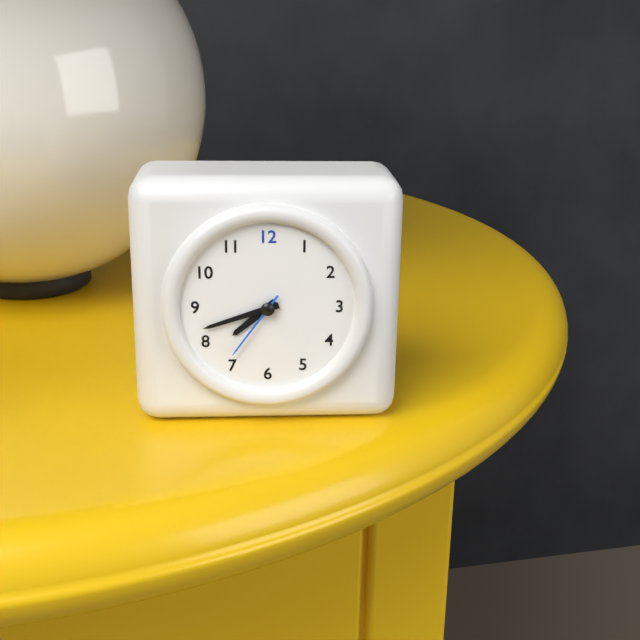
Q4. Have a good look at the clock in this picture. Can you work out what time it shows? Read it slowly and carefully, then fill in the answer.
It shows 7:42:36
